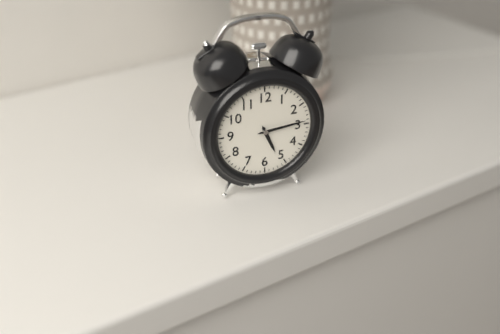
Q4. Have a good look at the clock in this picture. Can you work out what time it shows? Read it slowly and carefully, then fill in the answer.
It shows 5:14
